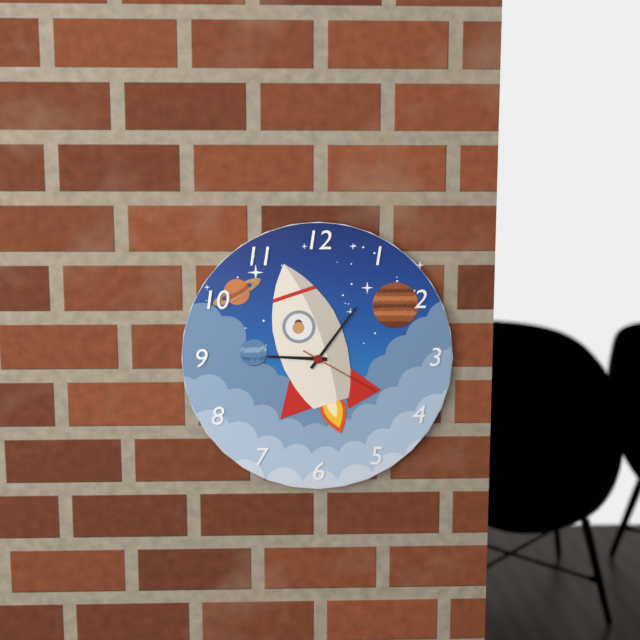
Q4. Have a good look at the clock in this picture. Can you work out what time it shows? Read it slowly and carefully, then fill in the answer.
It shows 9:06:20
